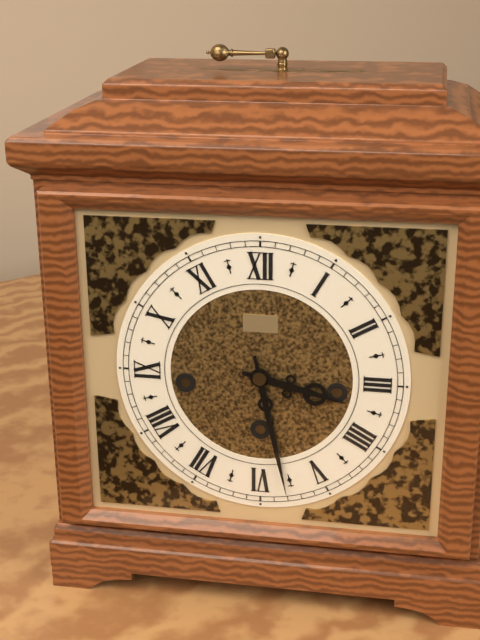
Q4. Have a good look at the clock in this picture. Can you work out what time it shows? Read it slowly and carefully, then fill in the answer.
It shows 3:28
